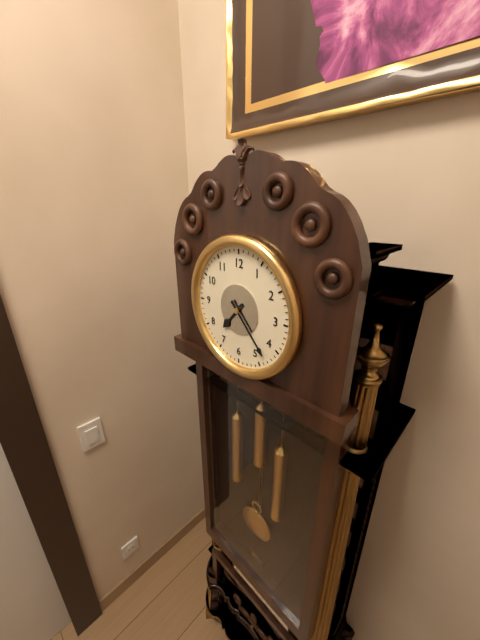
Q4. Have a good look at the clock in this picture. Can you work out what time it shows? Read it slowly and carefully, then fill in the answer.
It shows 7:23
